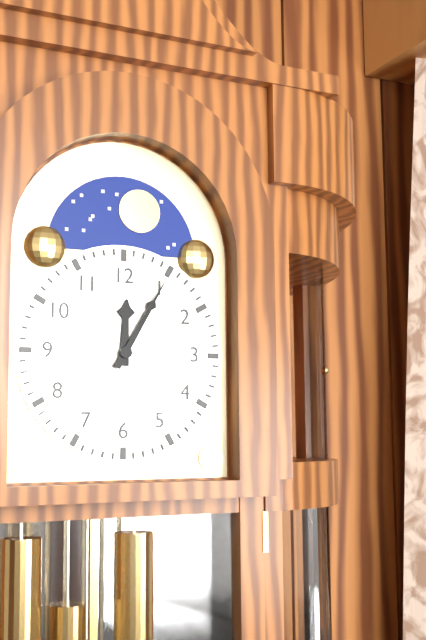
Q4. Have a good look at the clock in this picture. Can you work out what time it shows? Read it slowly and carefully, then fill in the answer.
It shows 12:05
